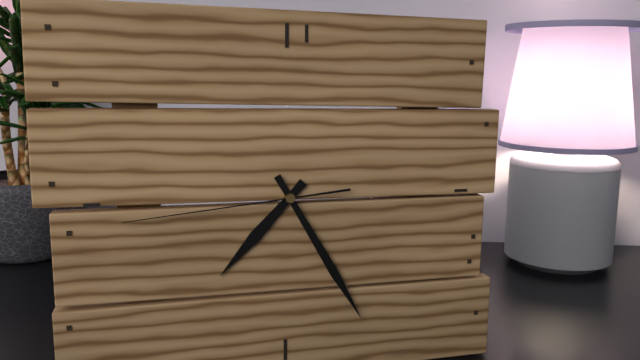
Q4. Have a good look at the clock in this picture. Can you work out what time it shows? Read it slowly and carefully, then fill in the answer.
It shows 7:25:44
